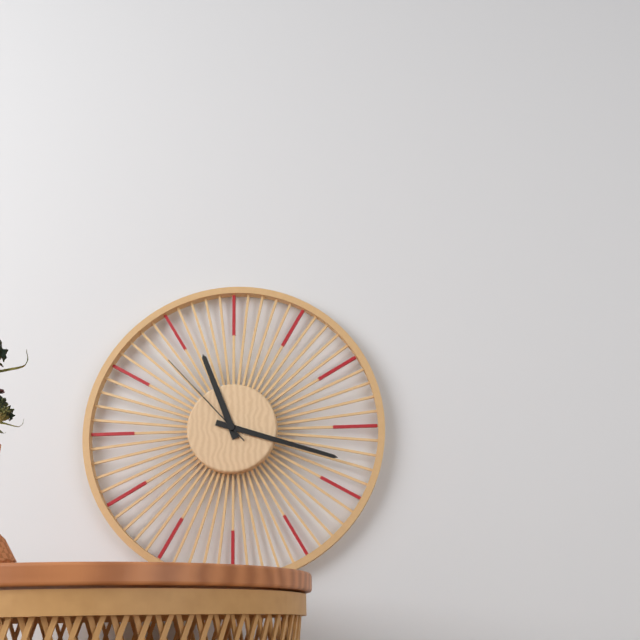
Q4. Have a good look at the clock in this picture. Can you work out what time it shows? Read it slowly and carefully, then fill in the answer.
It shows 11:18:53
